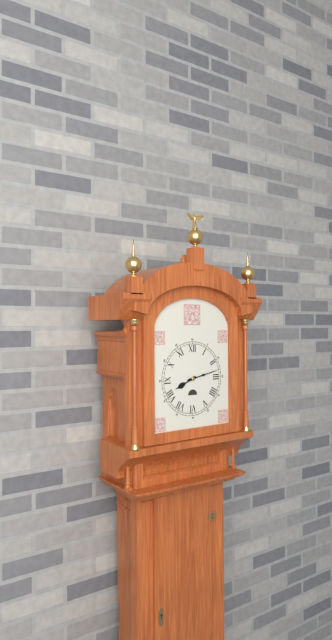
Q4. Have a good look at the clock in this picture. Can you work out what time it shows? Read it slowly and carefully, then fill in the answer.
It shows 8:13
